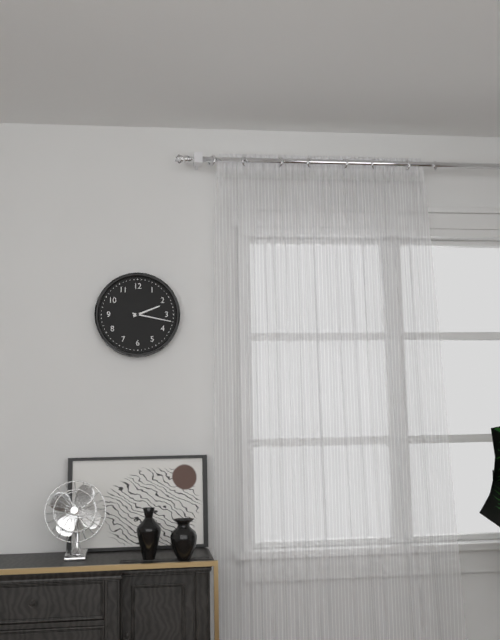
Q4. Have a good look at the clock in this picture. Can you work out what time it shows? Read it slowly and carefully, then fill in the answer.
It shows 2:17
